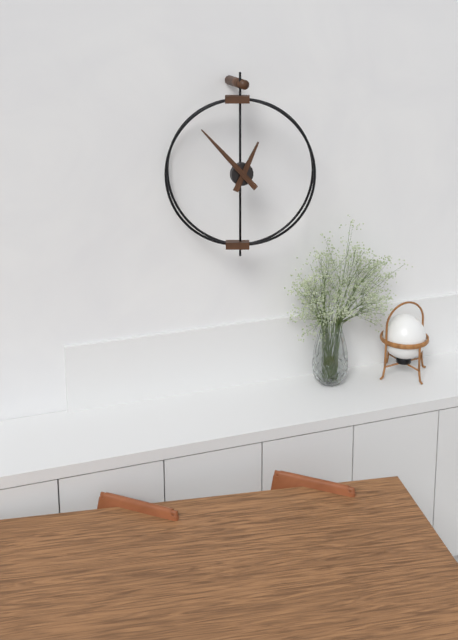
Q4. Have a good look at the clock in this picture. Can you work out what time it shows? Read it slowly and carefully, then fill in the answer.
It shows 12:53
